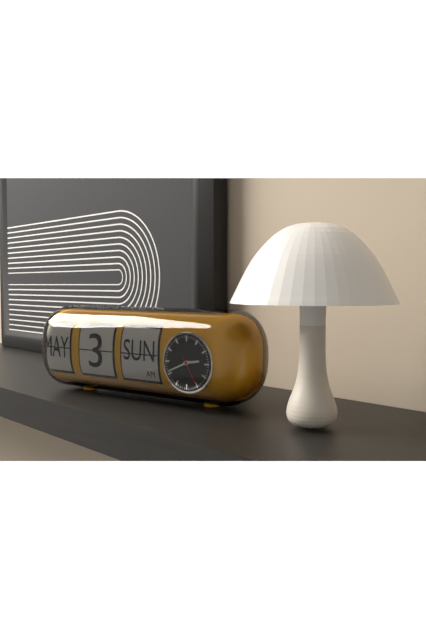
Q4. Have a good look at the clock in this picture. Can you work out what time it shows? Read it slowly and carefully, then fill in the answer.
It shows 2:41
